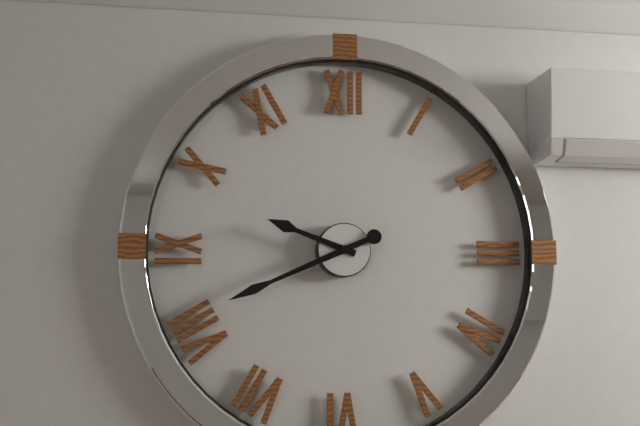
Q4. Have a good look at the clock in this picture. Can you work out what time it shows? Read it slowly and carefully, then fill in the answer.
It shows 9:41
